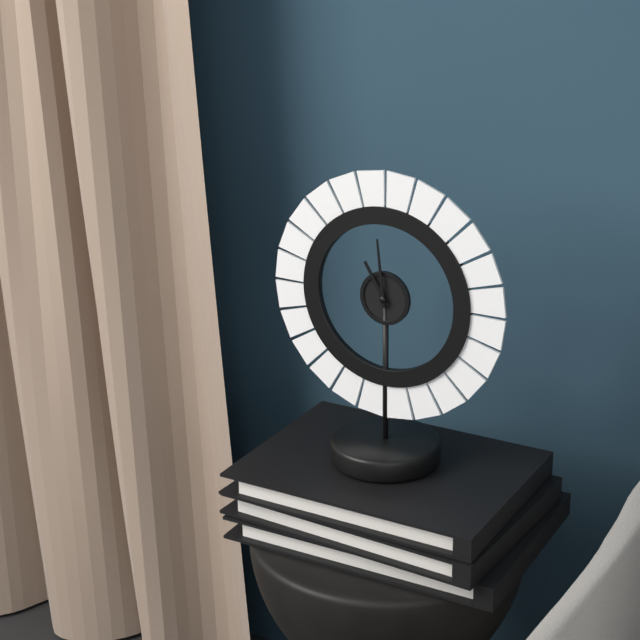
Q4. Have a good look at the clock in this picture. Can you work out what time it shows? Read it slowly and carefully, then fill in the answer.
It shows 10:59
